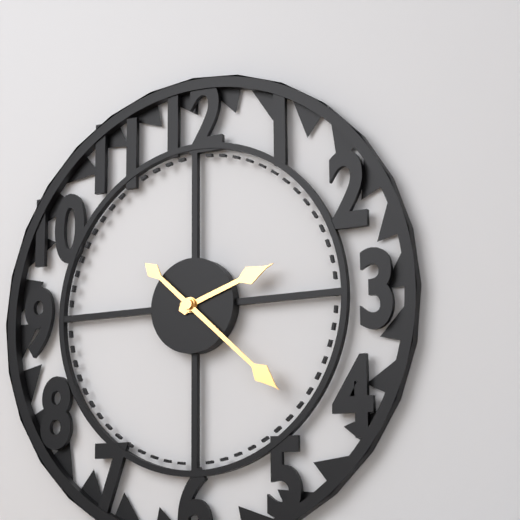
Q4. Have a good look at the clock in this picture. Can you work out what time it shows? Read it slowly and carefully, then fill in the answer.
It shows 2:22
